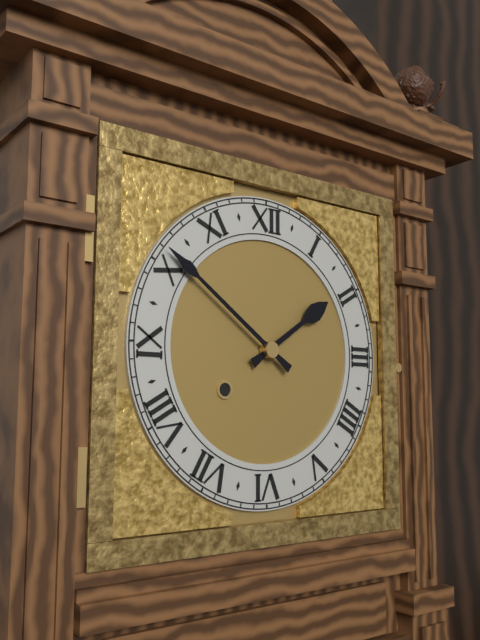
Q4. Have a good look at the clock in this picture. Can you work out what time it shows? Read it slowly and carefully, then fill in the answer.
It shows 1:51
